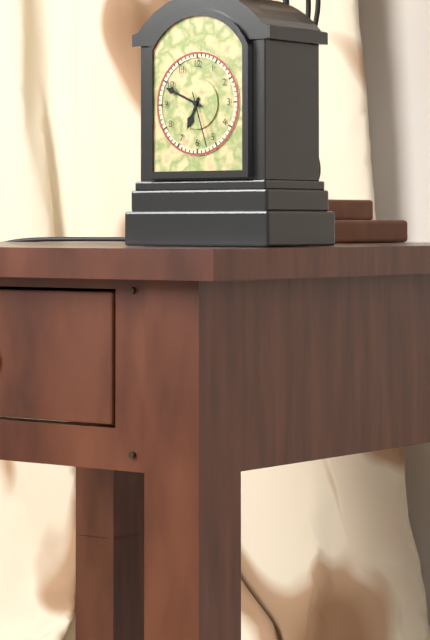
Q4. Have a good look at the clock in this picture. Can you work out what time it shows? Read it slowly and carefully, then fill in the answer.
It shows 6:49:27
